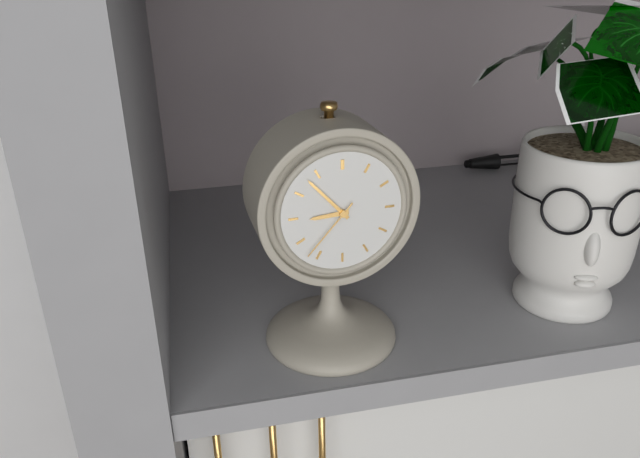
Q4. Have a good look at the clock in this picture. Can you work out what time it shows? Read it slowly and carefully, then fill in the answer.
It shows 8:53:37
